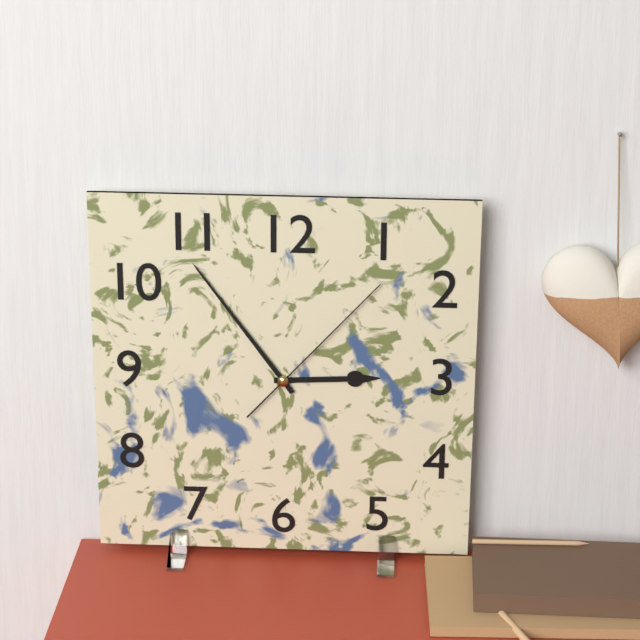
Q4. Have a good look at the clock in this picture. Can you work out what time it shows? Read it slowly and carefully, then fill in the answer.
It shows 2:54:07
